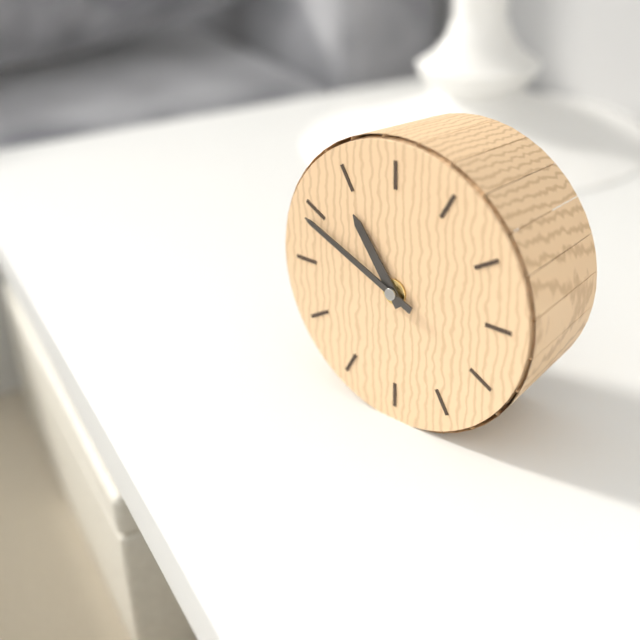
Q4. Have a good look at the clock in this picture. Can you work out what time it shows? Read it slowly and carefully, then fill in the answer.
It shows 10:49
